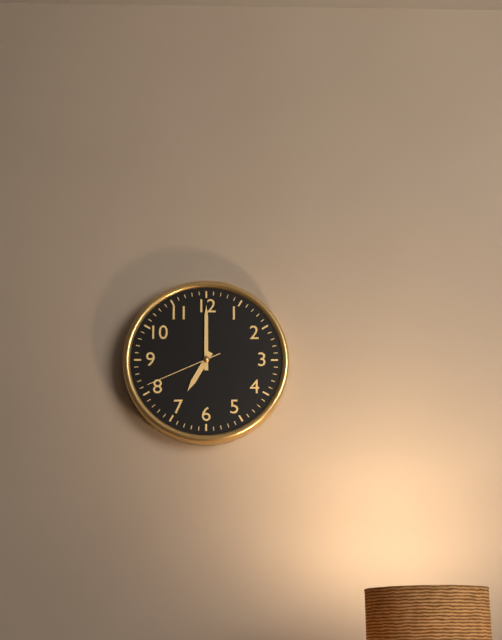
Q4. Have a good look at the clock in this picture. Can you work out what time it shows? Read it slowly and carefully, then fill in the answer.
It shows 7:00:41
